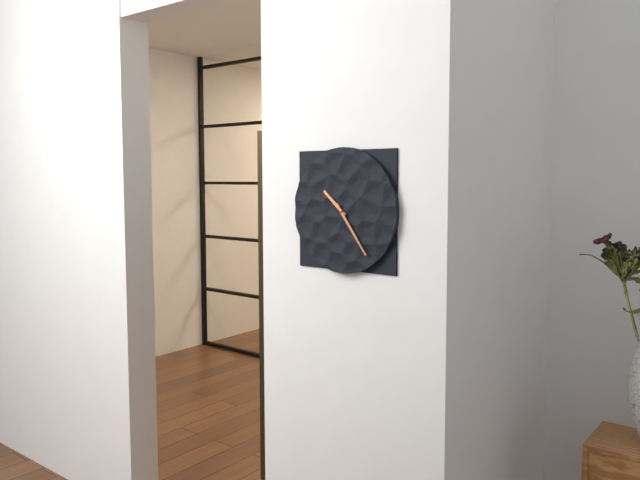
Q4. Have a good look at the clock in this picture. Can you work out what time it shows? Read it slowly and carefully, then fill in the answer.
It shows 10:24
